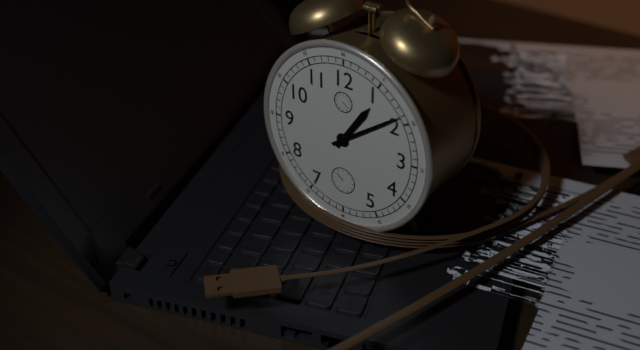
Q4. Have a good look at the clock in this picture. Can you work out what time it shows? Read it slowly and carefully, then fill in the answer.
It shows 1:09
